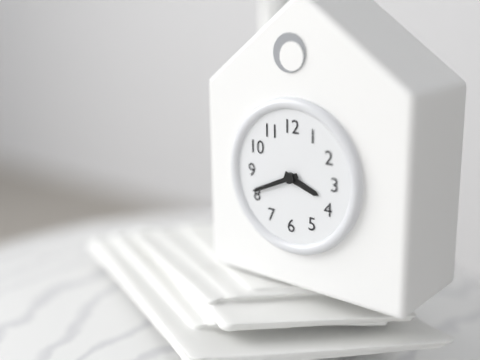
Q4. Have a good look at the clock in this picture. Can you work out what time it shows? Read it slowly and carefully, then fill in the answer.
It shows 3:41
